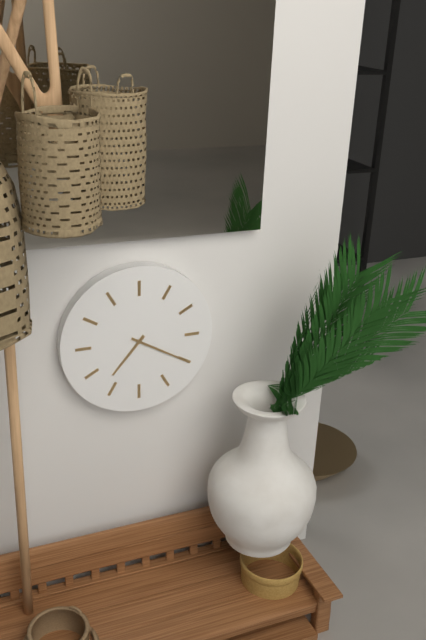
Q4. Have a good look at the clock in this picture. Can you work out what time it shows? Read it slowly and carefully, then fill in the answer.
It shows 7:20
